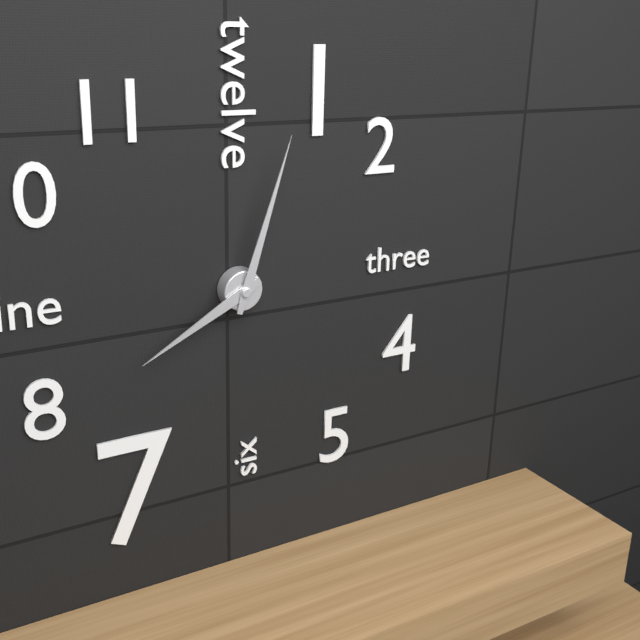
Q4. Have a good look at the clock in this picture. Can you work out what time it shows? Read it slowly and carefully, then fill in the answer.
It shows 8:03
